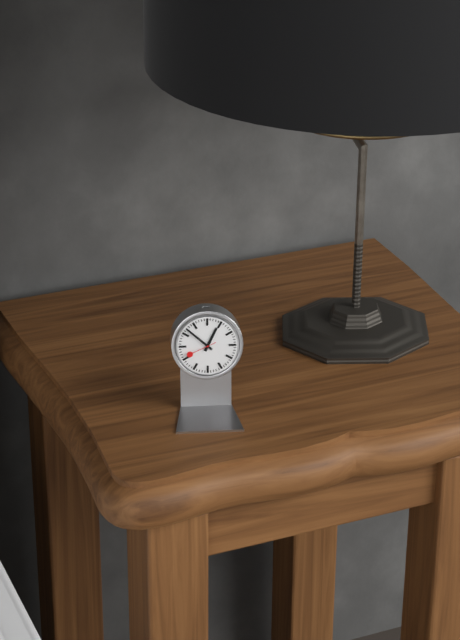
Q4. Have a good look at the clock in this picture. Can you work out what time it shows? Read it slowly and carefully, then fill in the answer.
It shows 12:52
